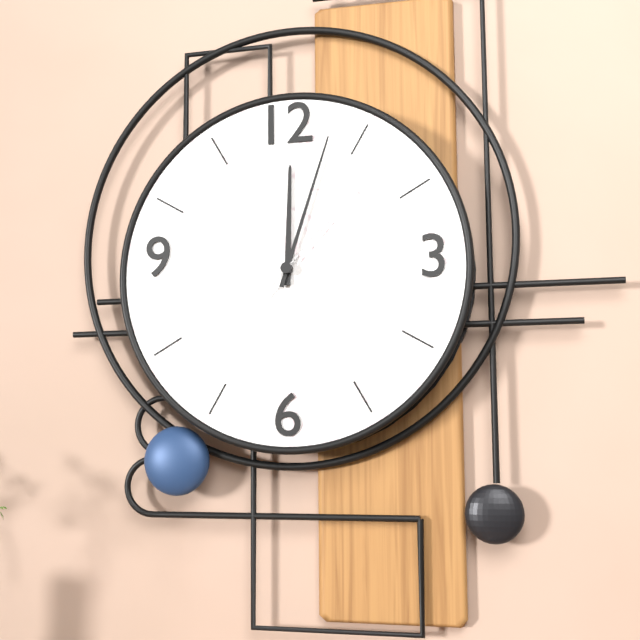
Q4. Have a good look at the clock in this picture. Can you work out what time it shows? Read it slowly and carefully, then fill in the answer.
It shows 12:03:07
